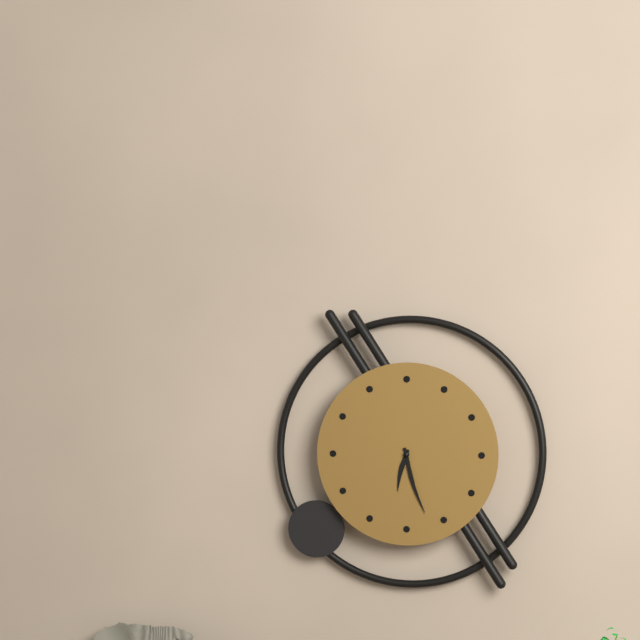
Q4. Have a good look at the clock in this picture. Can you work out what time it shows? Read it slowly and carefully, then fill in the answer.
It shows 6:27
